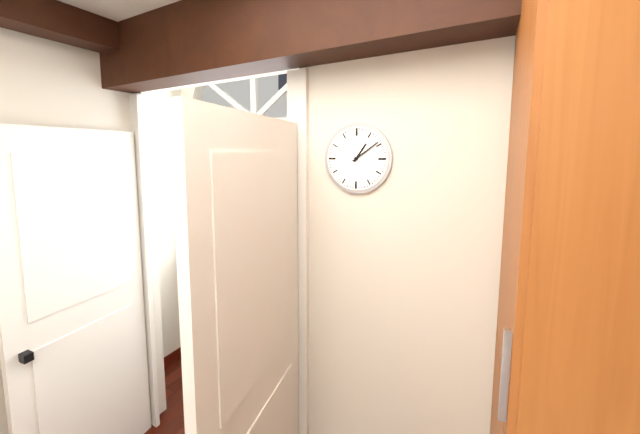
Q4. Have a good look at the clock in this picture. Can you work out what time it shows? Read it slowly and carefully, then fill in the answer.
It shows 1:09
